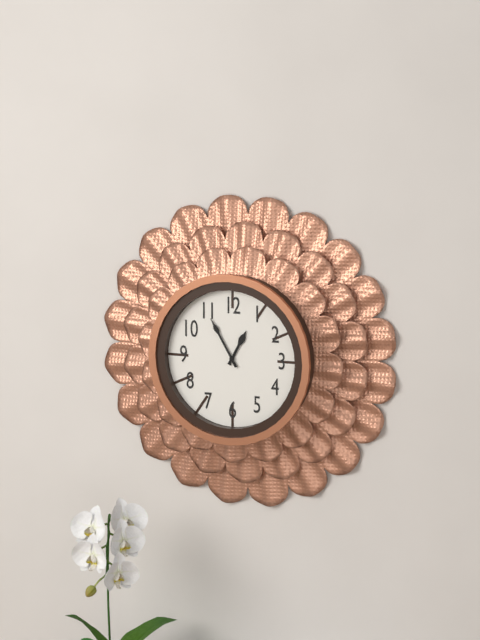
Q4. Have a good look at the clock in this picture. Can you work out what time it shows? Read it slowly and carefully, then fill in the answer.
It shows 12:55
